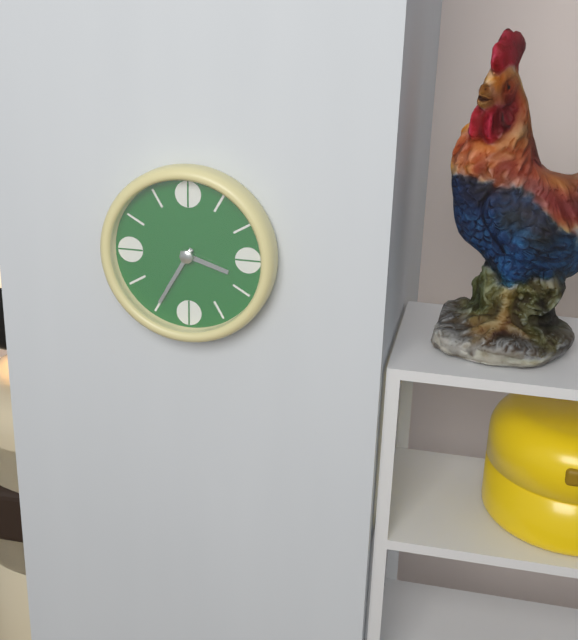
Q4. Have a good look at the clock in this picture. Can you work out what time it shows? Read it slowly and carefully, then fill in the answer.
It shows 3:35
